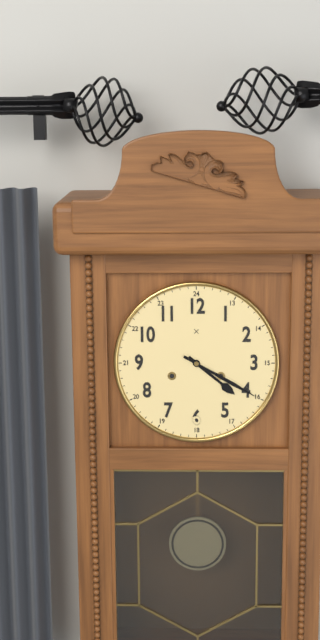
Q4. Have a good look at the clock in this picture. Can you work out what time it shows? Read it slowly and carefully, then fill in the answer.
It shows 4:20
